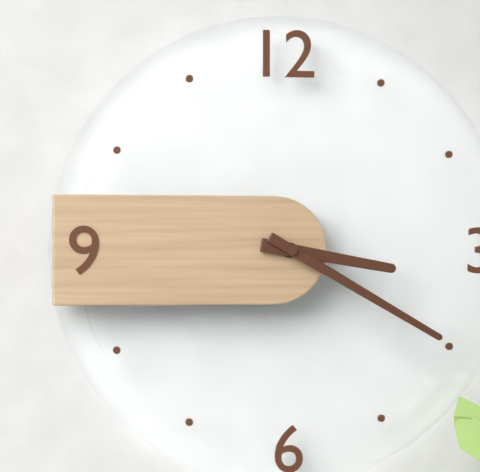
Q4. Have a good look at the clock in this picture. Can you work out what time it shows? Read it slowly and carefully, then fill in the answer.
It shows 3:20
